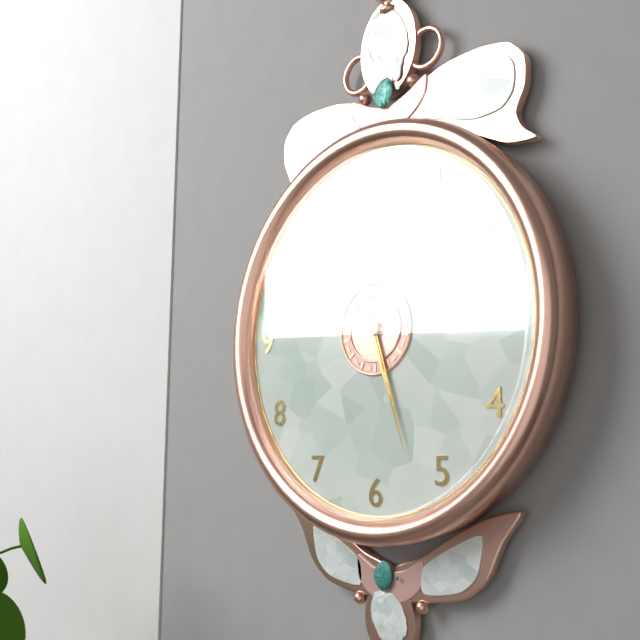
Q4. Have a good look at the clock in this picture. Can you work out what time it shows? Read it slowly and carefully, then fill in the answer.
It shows 9:27:57
